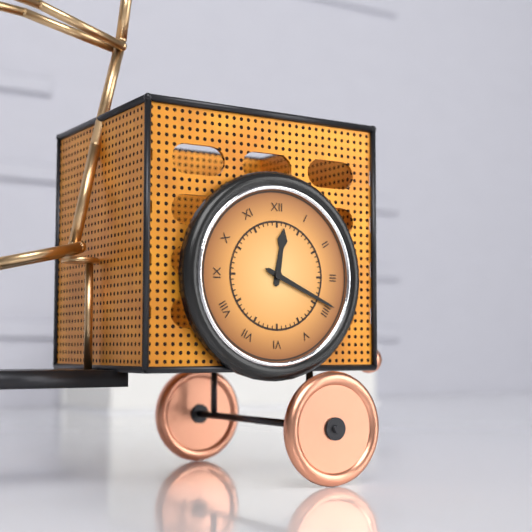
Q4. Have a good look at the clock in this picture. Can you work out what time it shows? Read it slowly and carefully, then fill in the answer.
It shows 12:19
